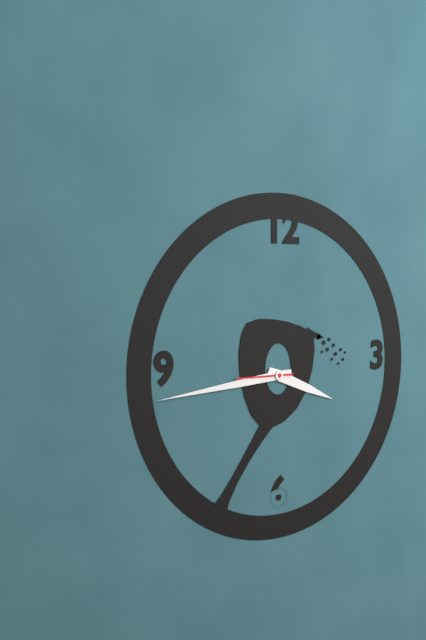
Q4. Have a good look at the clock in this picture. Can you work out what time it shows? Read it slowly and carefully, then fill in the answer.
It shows 3:44:45
